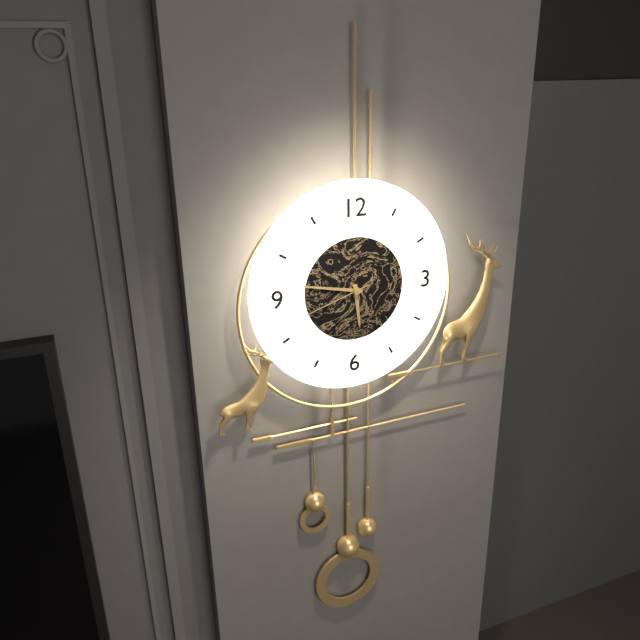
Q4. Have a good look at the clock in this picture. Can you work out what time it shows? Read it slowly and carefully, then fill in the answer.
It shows 5:47:42
